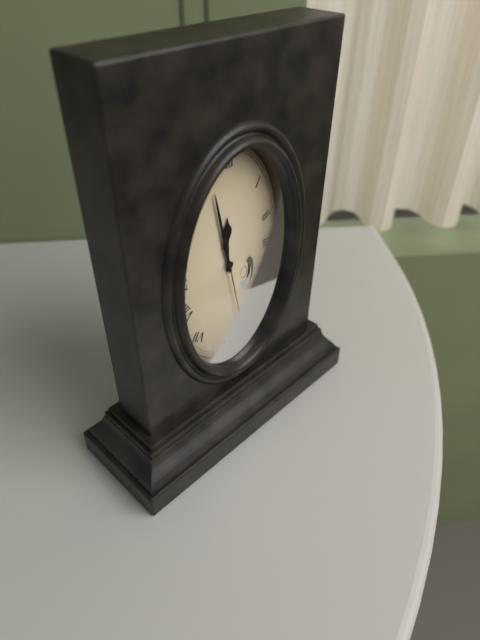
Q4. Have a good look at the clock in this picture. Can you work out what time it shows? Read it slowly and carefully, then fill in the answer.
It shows 11:58:28
